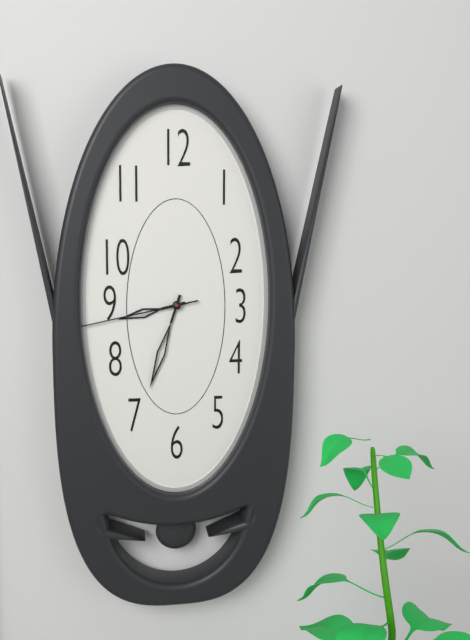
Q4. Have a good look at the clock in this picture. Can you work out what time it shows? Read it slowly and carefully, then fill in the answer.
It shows 8:33:43
